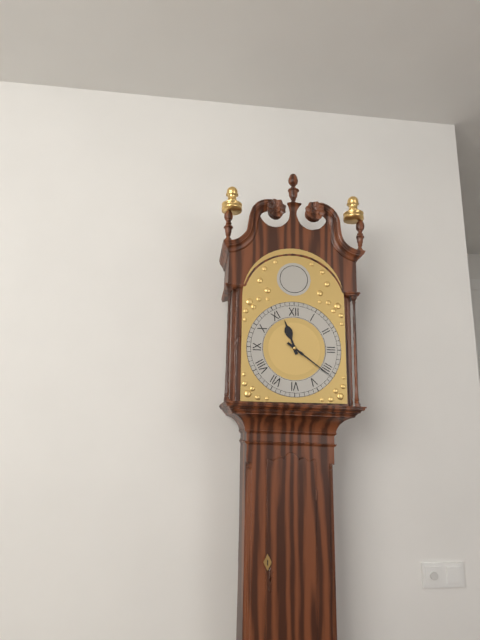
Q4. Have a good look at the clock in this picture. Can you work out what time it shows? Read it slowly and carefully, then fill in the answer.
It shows 11:21
